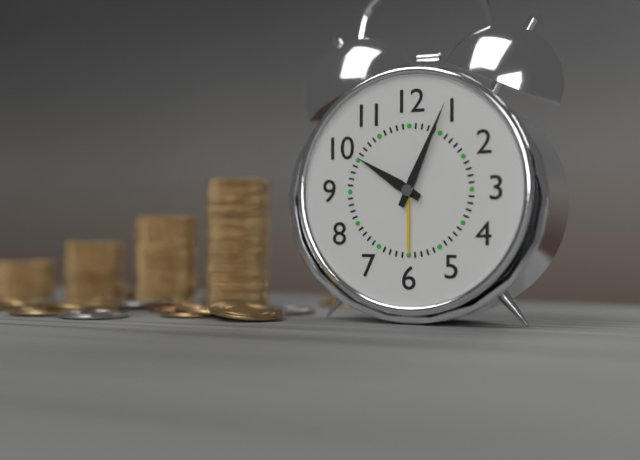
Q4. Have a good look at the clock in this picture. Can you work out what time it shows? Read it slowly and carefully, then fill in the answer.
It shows 10:04
